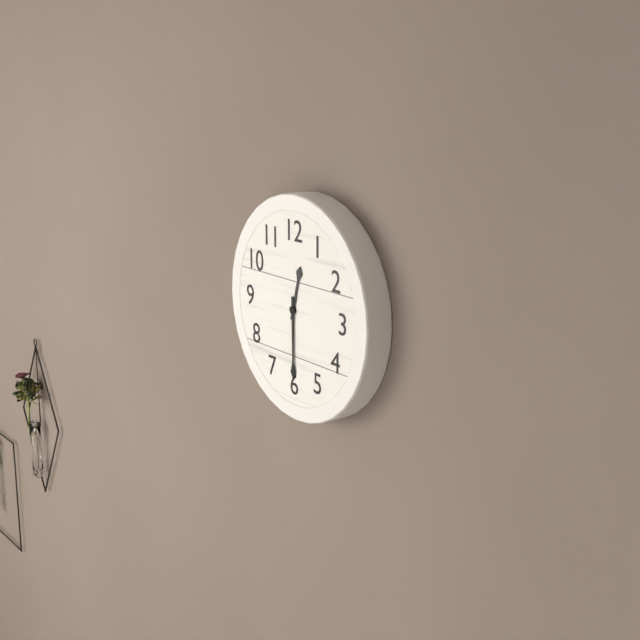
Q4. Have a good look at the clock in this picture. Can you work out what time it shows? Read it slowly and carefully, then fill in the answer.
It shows 12:30
